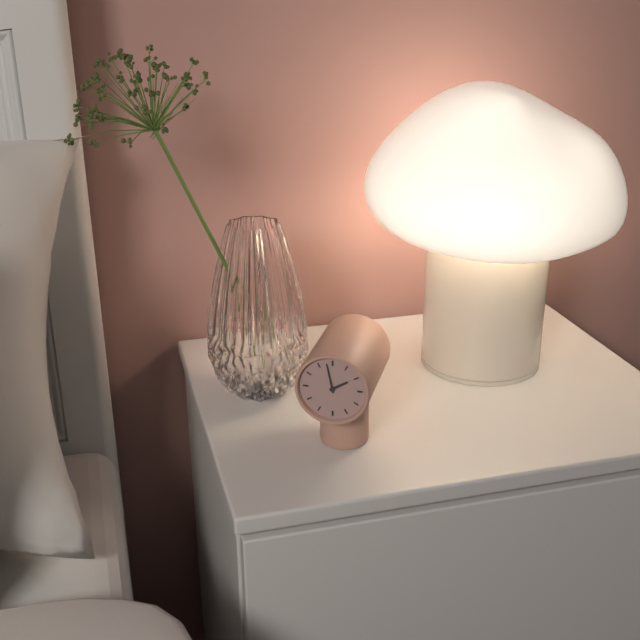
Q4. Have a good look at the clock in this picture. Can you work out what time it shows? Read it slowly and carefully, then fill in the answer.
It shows 1:58
